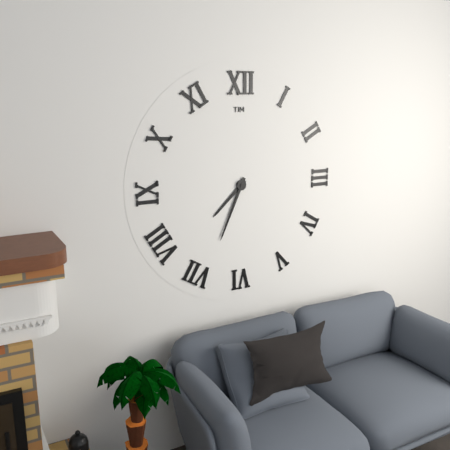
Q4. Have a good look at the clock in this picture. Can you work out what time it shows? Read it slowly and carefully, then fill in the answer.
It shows 7:34
